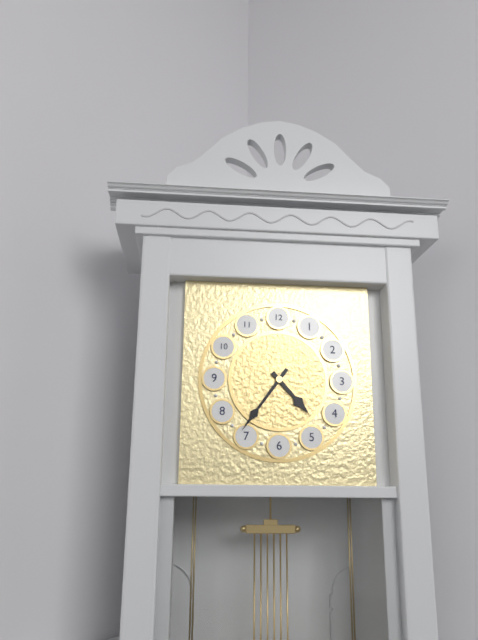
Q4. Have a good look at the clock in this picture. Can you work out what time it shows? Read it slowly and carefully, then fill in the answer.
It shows 4:36
